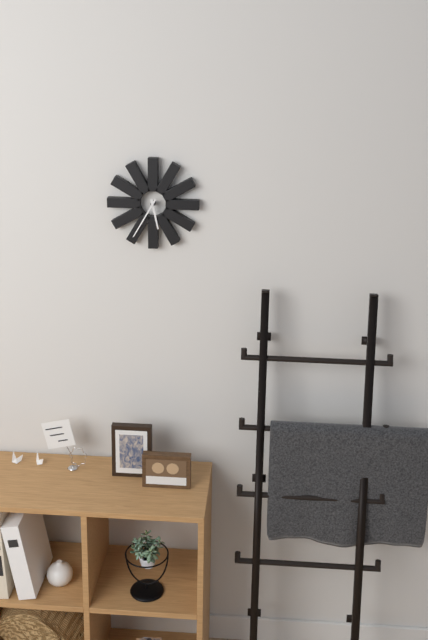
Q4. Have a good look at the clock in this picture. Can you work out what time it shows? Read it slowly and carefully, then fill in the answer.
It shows 5:35
